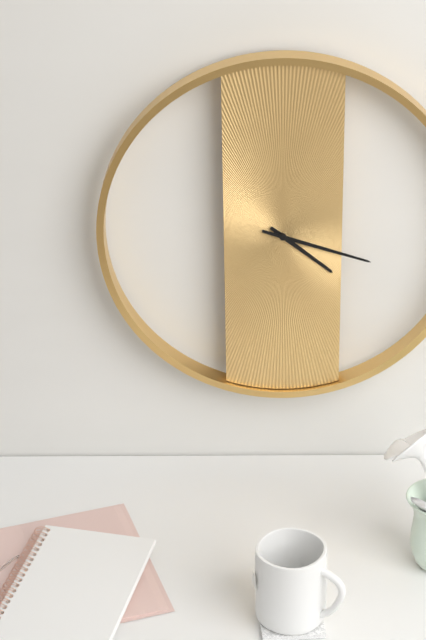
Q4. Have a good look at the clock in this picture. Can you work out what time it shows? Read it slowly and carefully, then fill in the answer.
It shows 4:18
